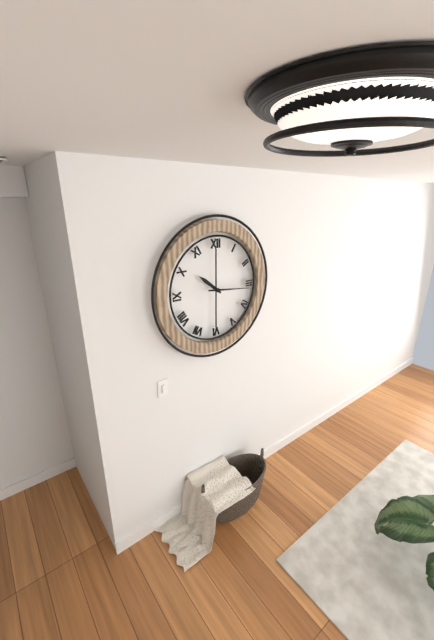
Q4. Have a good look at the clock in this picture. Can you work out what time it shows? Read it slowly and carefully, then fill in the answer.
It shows 10:16
